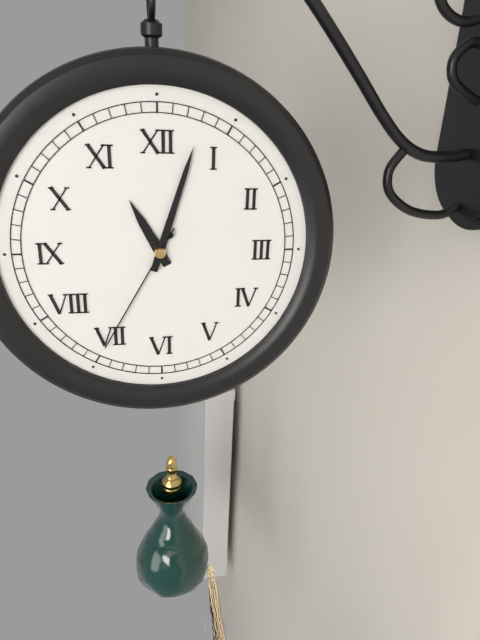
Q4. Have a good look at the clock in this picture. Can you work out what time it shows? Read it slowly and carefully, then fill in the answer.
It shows 11:03:35
